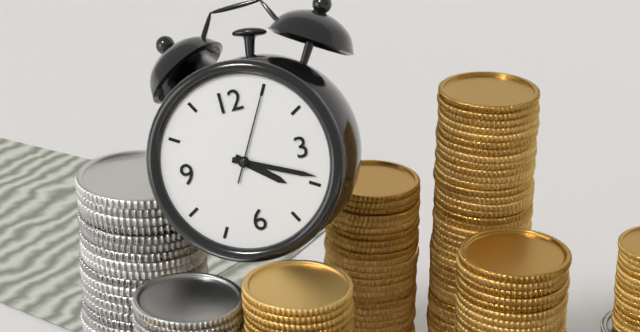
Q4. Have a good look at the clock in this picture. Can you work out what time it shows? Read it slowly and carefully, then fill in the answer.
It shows 4:19:05
